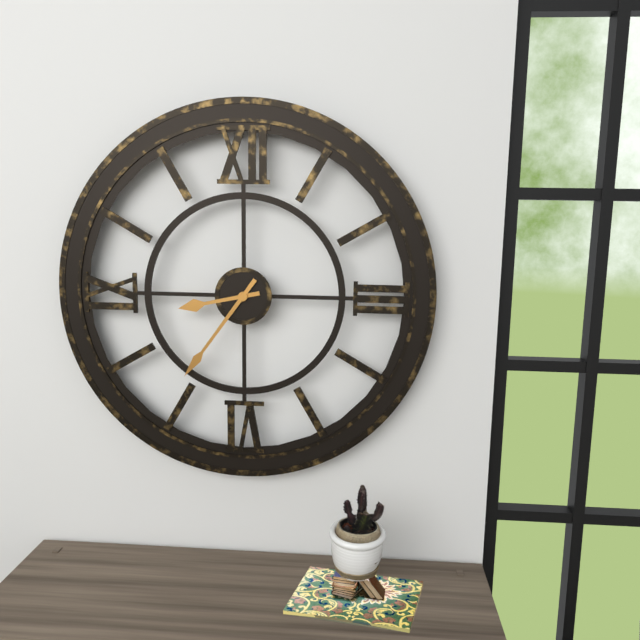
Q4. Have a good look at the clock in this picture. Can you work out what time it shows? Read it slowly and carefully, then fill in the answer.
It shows 8:36
